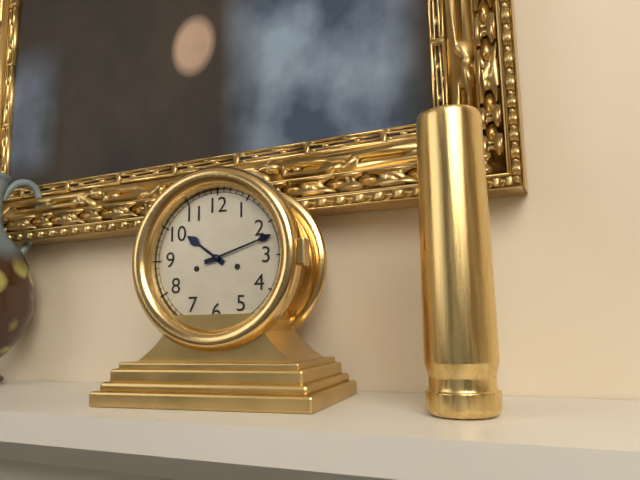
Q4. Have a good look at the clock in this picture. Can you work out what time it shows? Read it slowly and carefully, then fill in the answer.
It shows 10:12
